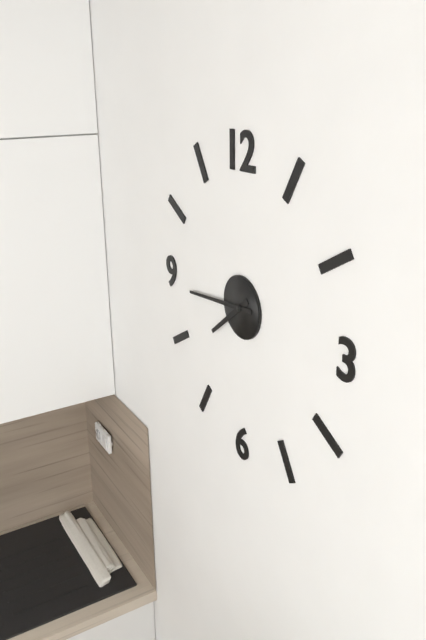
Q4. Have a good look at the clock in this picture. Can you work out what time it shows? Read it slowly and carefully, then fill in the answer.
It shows 7:44
